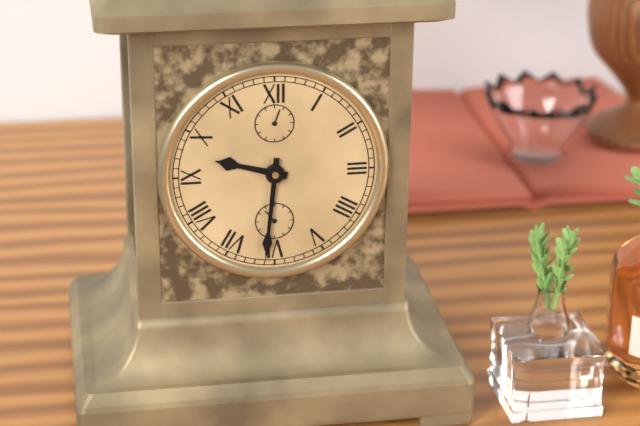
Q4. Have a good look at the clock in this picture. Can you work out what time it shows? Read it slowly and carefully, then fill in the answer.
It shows 9:31
